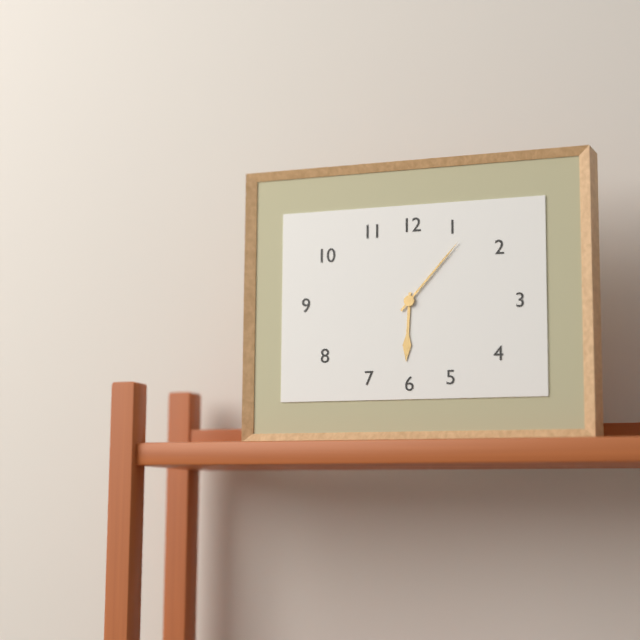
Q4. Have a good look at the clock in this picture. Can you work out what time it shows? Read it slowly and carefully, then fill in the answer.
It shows 6:07
